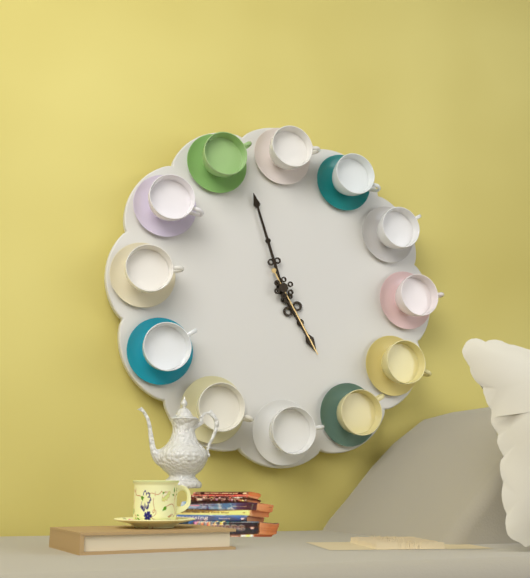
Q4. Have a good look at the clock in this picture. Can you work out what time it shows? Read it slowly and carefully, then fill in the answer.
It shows 4:57:25
